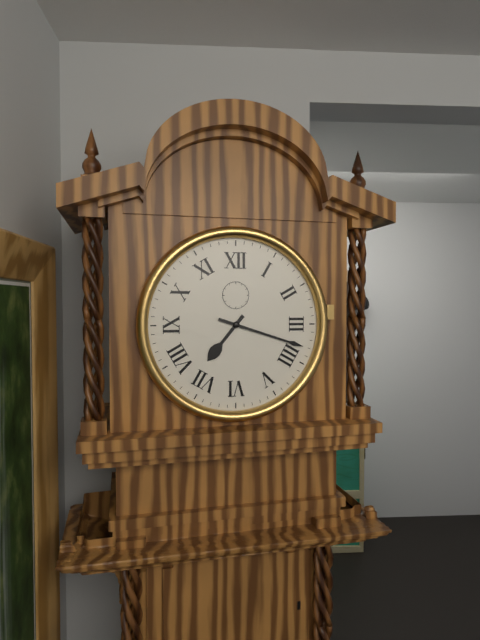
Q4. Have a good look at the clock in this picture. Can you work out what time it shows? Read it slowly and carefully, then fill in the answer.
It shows 7:18
